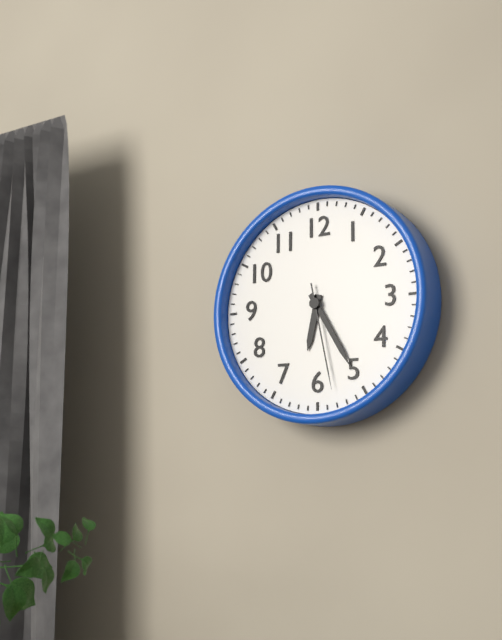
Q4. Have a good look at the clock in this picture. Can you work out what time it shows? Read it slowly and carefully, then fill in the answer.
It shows 6:25:28
